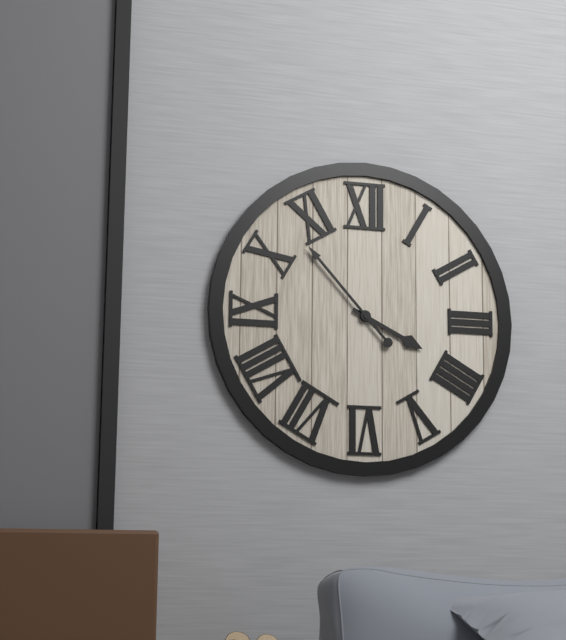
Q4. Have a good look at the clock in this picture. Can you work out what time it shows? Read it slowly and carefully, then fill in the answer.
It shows 3:53
